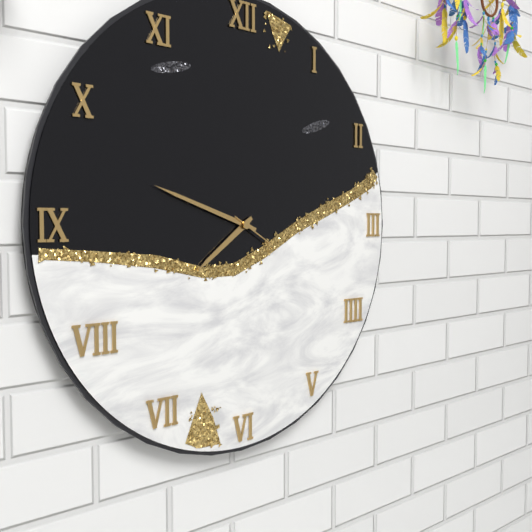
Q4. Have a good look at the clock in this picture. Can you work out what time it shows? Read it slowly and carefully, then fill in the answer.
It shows 7:48:20
